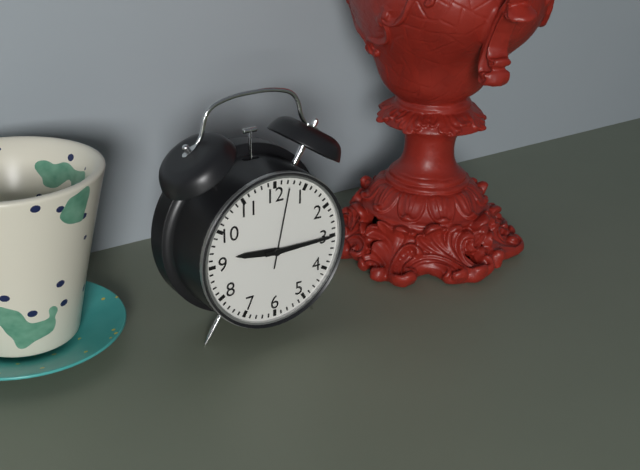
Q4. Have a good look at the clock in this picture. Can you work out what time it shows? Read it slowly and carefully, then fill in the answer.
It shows 9:15:02
